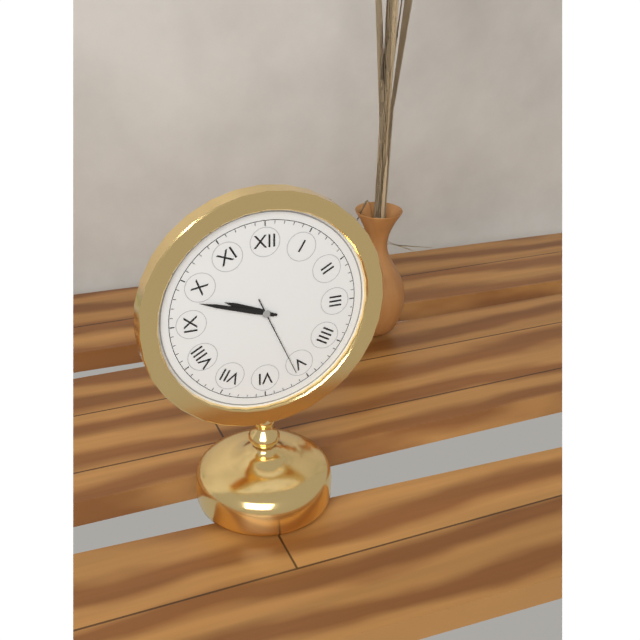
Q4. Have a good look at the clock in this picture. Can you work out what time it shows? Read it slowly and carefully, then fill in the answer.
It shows 9:48:26
